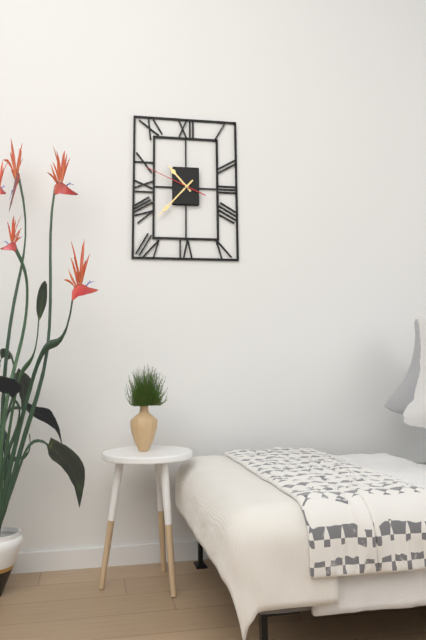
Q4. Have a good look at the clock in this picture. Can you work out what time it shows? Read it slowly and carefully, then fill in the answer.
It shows 10:37:49
